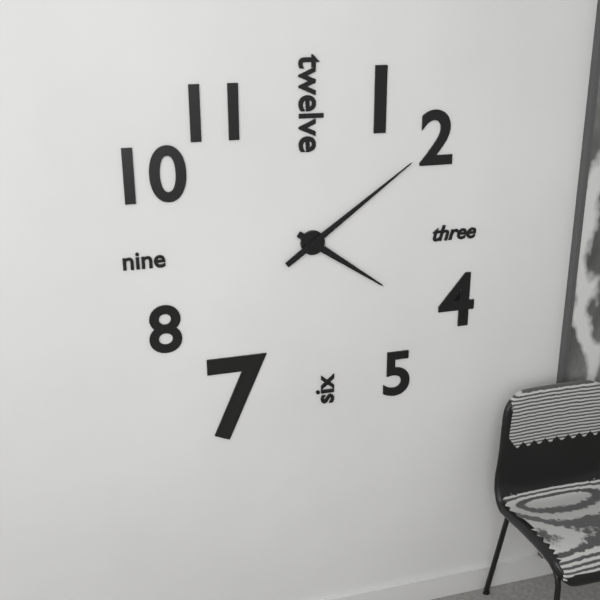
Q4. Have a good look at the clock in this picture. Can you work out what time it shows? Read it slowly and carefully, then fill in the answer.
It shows 4:09
